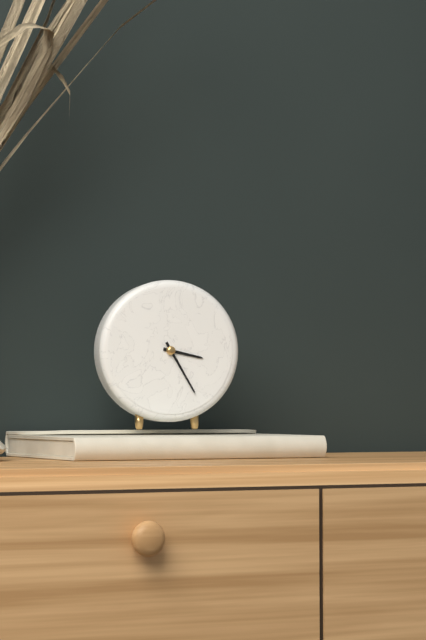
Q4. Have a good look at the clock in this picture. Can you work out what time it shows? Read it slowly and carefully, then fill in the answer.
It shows 3:25
